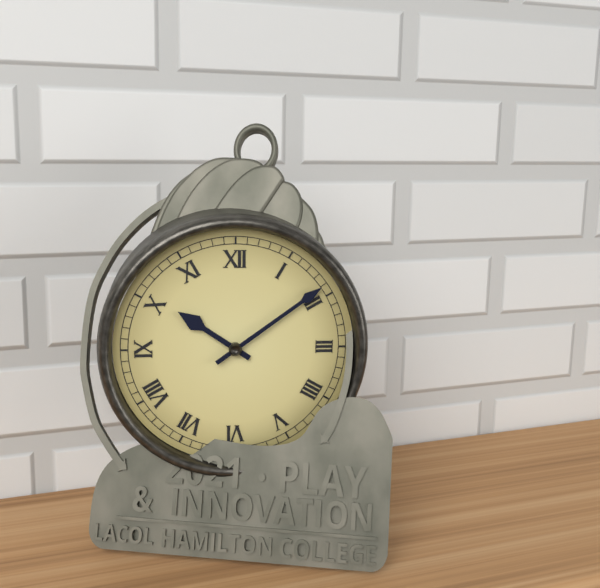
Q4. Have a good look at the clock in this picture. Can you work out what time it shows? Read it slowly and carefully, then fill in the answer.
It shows 10:09
